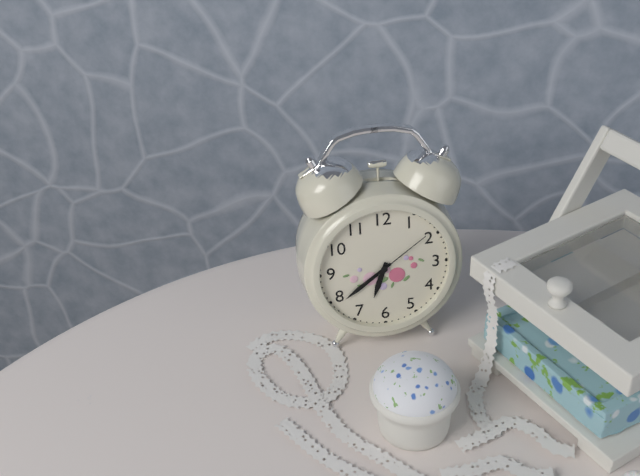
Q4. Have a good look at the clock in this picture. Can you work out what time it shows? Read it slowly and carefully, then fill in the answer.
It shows 6:39:09
